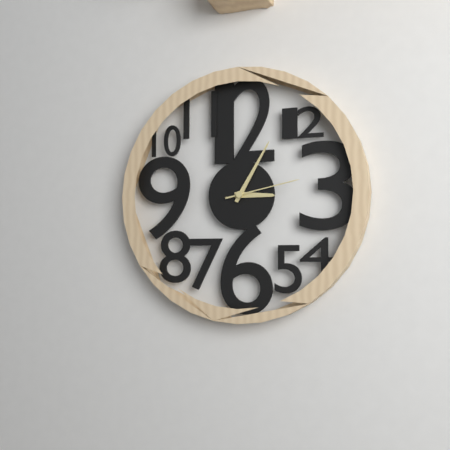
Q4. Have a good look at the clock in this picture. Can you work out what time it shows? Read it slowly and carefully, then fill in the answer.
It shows 3:05:13
